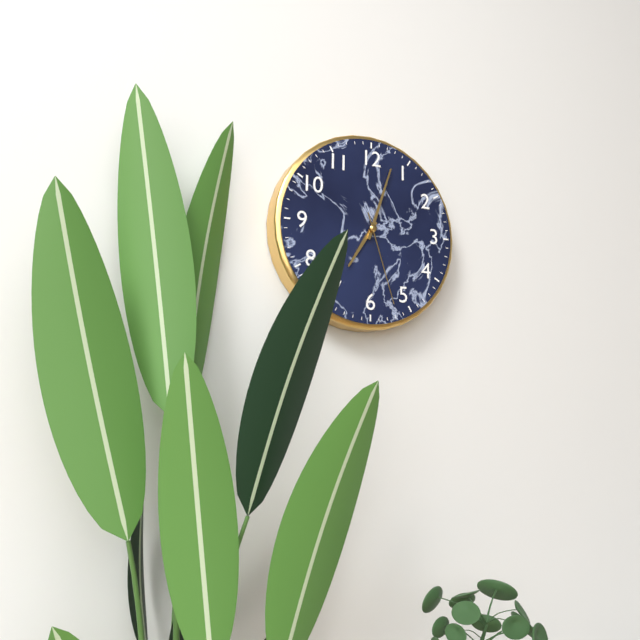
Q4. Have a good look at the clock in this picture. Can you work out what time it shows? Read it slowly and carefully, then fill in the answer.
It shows 7:03:27
